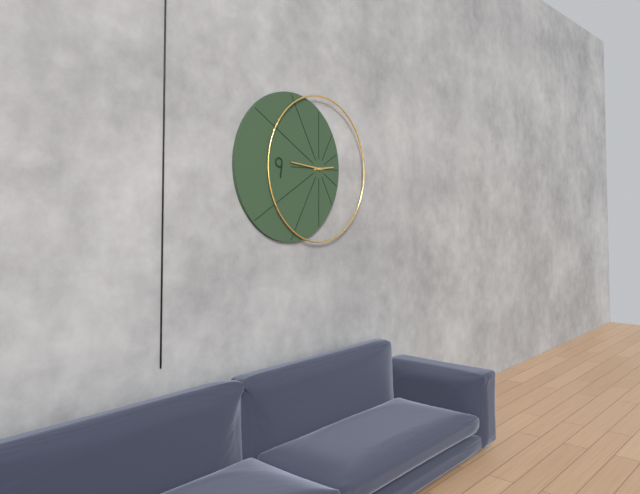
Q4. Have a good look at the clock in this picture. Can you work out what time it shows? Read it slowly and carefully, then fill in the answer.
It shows 2:46
